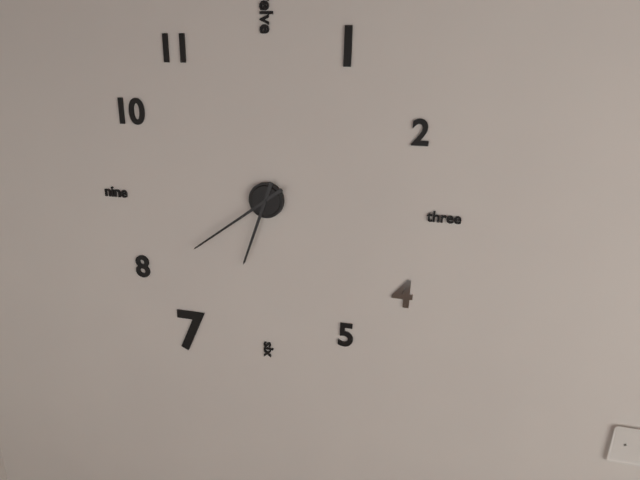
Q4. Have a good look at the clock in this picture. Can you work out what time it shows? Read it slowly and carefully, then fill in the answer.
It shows 6:39
